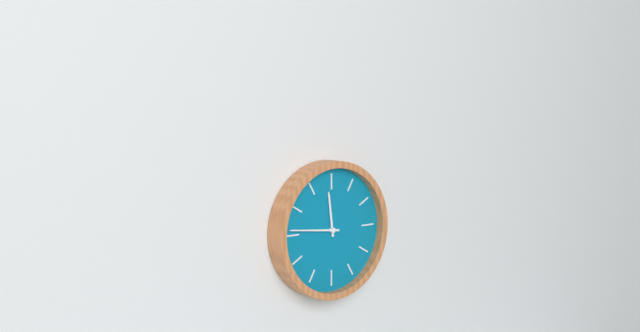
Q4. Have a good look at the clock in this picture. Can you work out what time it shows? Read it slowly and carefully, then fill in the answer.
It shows 11:46
